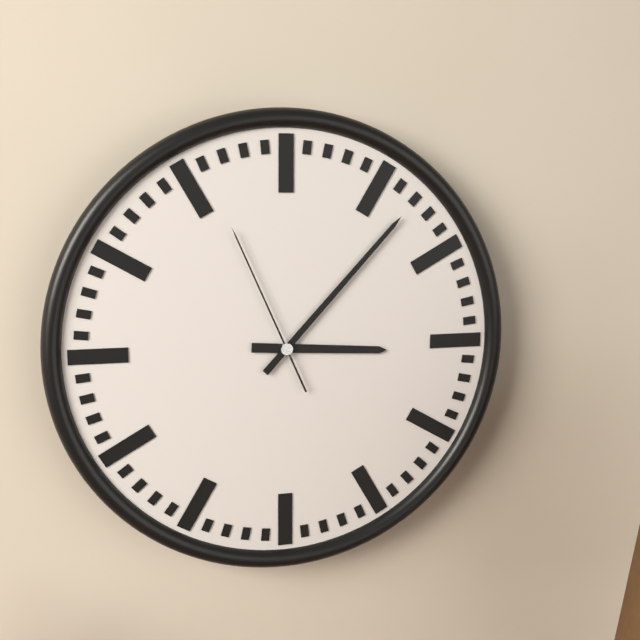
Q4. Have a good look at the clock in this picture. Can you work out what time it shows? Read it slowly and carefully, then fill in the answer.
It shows 3:07:56
